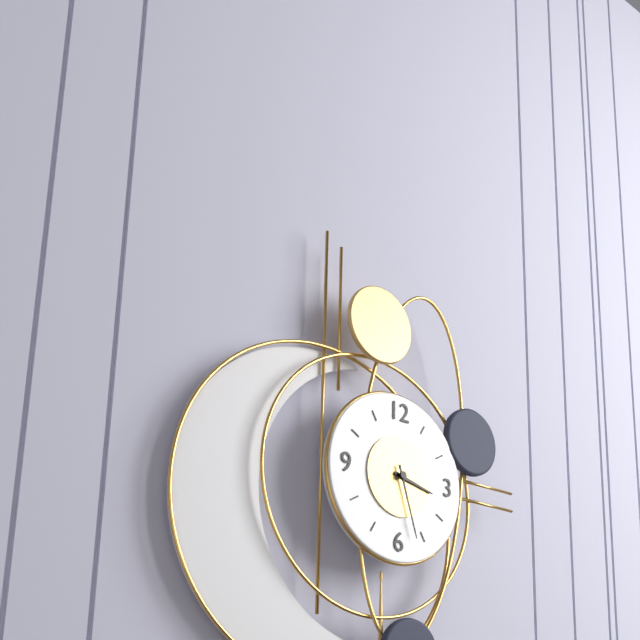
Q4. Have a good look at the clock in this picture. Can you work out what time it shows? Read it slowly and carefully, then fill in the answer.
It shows 3:27
